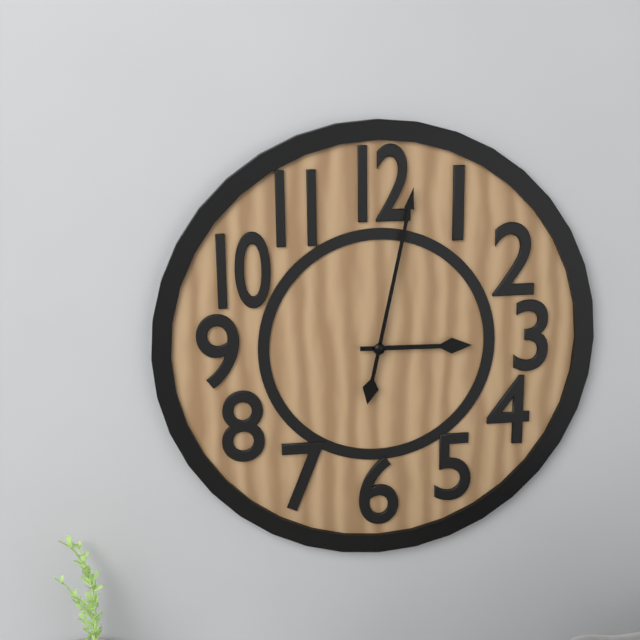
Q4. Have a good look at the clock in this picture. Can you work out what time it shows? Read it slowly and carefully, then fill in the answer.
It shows 3:02
